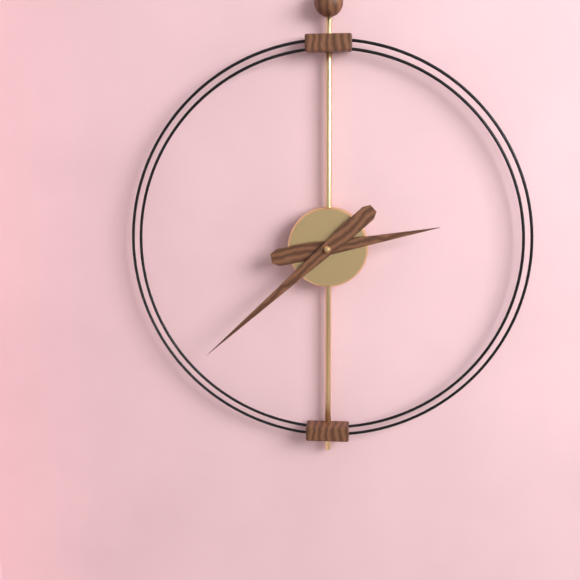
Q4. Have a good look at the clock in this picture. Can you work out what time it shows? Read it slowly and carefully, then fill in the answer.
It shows 2:38
